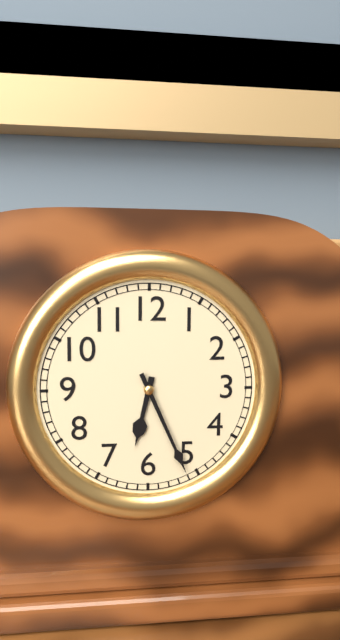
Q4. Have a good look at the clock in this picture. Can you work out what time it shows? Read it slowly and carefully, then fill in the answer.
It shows 6:26
